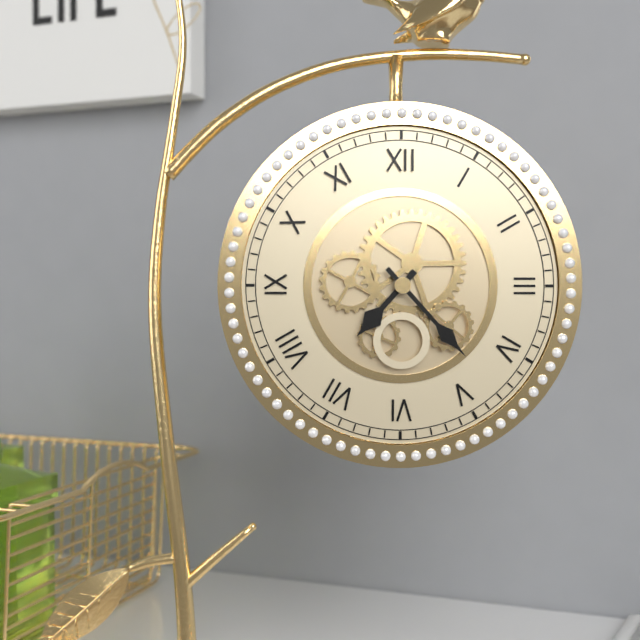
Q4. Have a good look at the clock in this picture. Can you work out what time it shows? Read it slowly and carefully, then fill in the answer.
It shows 7:23
